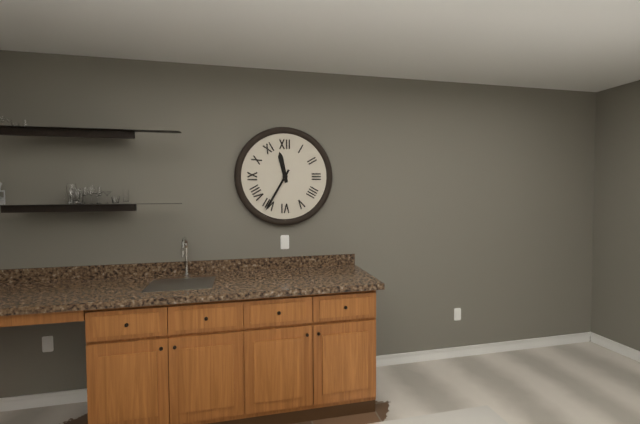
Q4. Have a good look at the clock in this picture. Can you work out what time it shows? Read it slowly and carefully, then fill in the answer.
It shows 11:35
